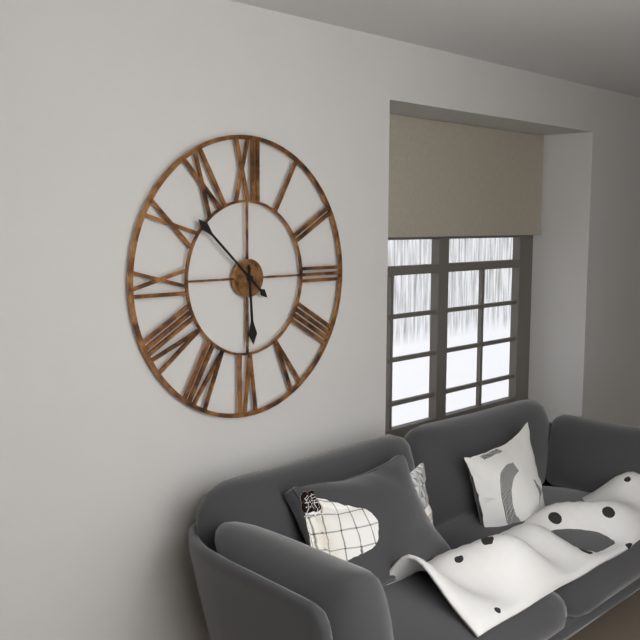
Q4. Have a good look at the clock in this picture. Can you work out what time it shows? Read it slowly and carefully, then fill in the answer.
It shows 5:52
